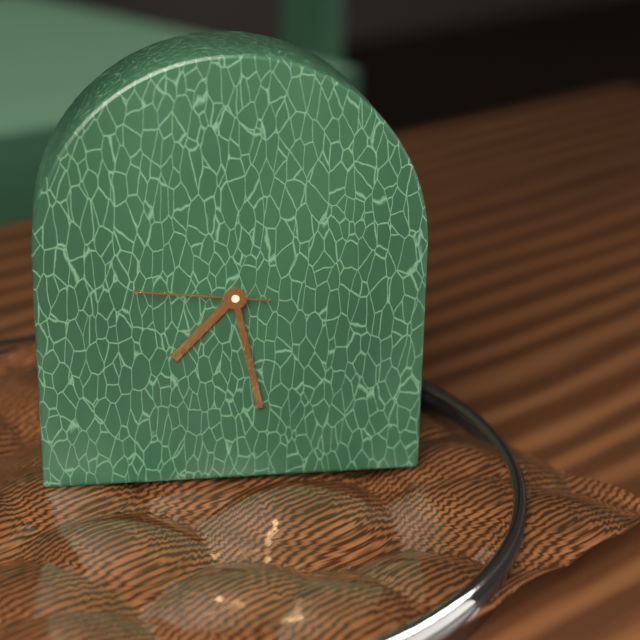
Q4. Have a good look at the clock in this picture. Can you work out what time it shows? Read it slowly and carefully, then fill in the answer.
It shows 7:28:46
